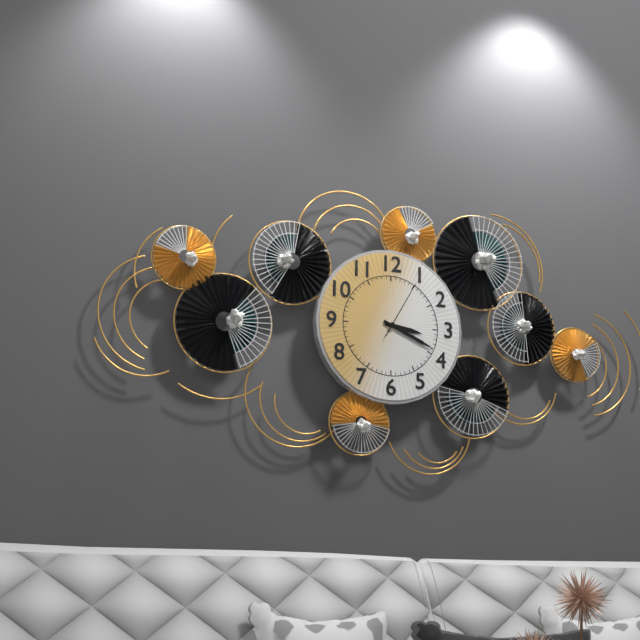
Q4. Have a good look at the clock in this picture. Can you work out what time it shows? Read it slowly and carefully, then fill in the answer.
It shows 3:19:05
